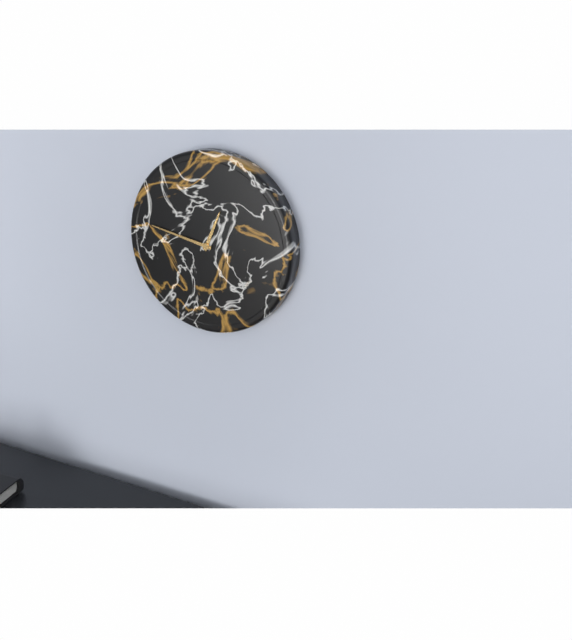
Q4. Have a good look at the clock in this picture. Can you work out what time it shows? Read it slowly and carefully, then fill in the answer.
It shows 12:47
